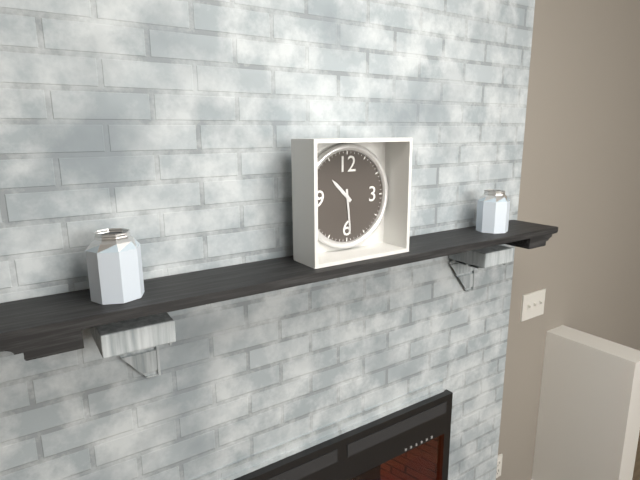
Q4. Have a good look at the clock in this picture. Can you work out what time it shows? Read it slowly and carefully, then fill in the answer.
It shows 10:29
